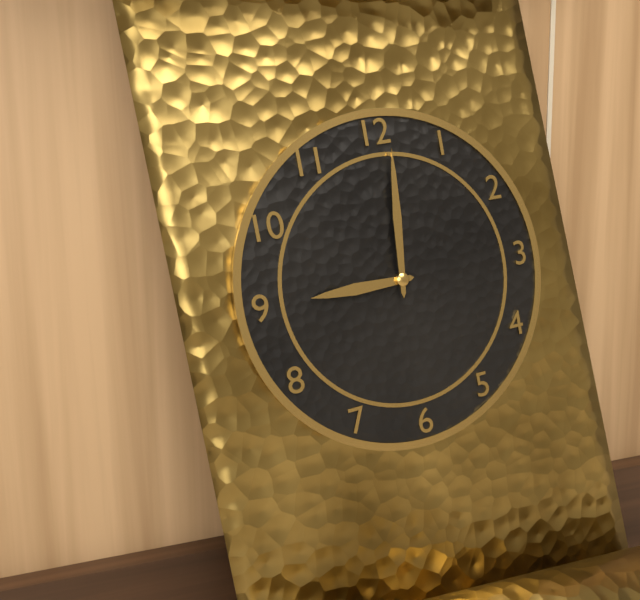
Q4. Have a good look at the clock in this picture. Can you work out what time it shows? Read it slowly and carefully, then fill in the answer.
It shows 9:01
